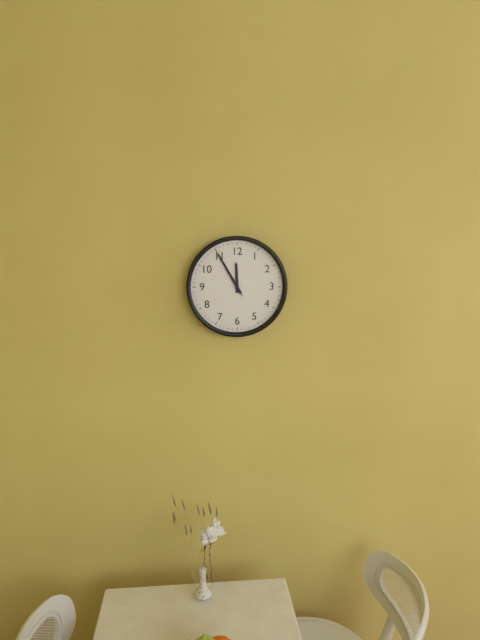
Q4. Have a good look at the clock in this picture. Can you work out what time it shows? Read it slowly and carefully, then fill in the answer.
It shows 11:55:55
